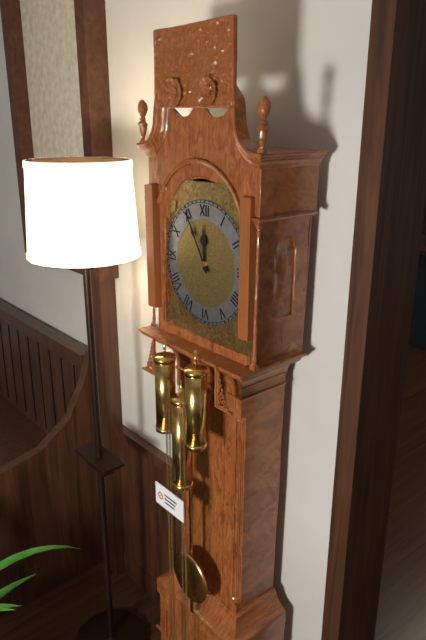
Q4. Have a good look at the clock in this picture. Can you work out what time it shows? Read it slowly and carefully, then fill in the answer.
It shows 11:55
